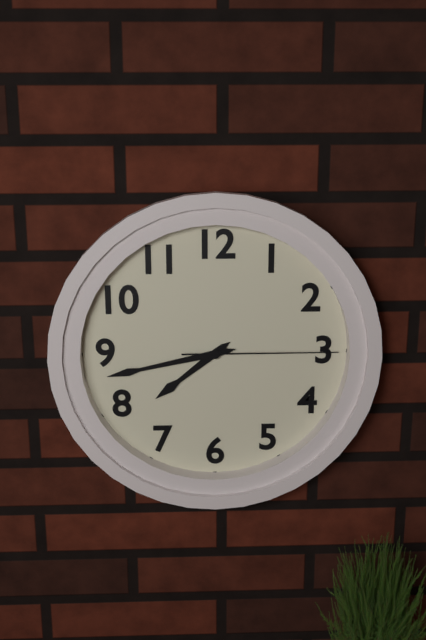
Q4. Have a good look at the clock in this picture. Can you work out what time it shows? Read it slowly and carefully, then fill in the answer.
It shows 7:43:15
